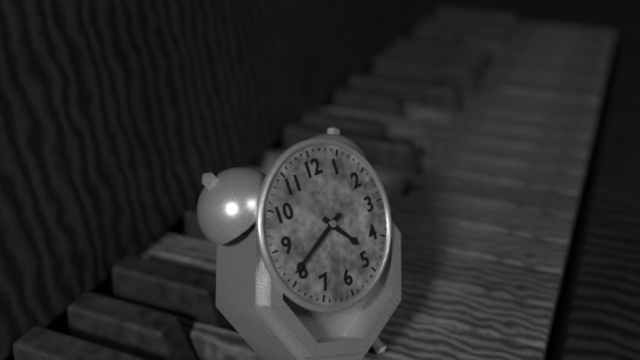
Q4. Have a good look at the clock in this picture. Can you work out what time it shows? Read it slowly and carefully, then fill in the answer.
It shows 4:41
